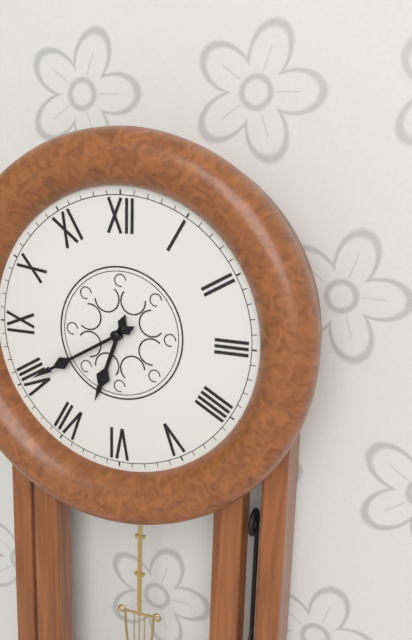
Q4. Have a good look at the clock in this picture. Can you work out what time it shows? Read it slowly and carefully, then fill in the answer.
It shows 6:40
